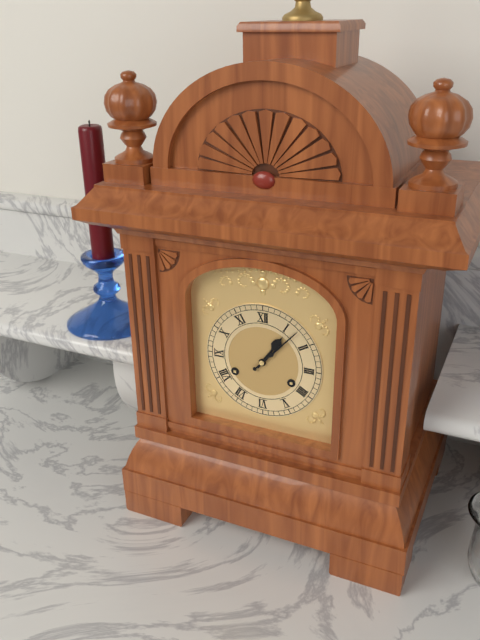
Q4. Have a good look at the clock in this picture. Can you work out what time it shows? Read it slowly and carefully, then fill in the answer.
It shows 1:07
